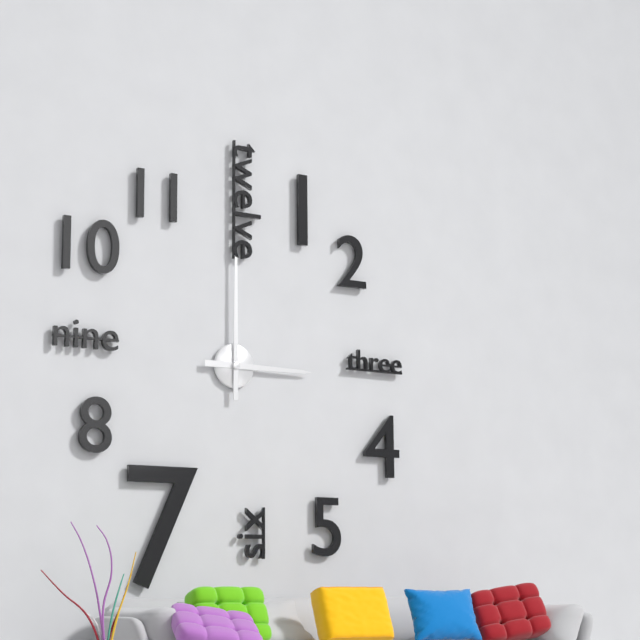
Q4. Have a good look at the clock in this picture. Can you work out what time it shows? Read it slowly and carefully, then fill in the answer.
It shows 3:00
